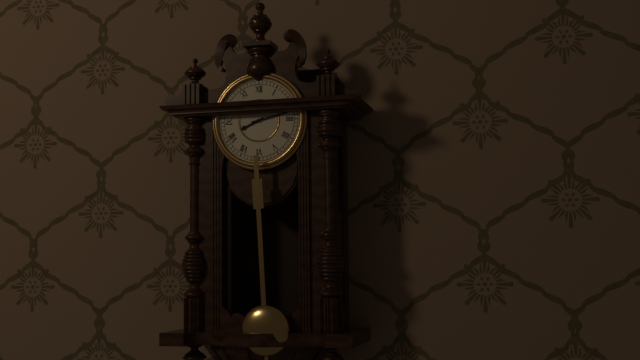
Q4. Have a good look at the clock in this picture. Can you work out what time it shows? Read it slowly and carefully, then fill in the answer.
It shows 8:13
